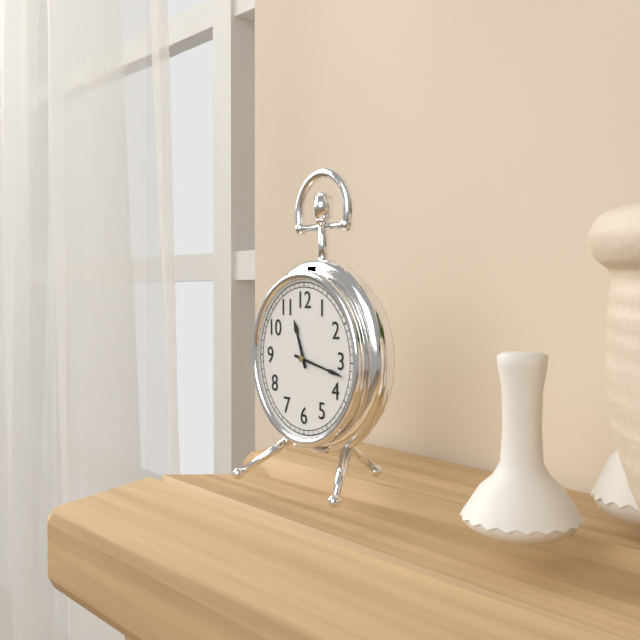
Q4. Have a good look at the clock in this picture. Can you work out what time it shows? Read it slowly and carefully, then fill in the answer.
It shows 11:17
